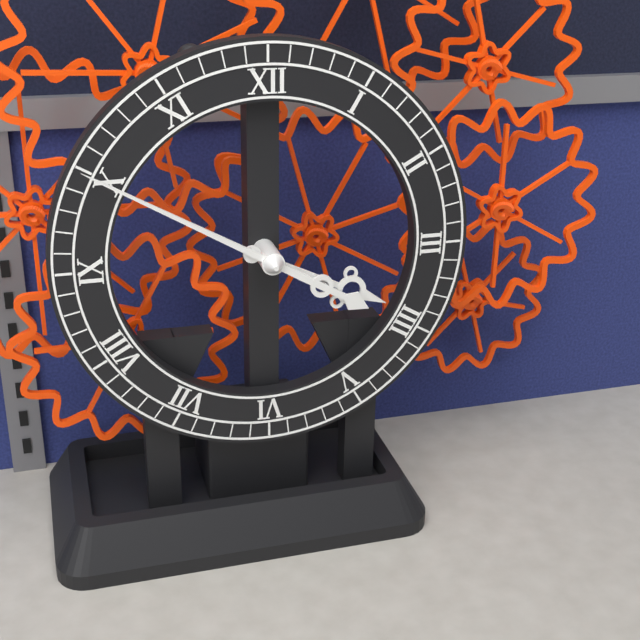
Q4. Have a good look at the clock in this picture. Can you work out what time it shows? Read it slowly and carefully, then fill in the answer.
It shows 3:50
